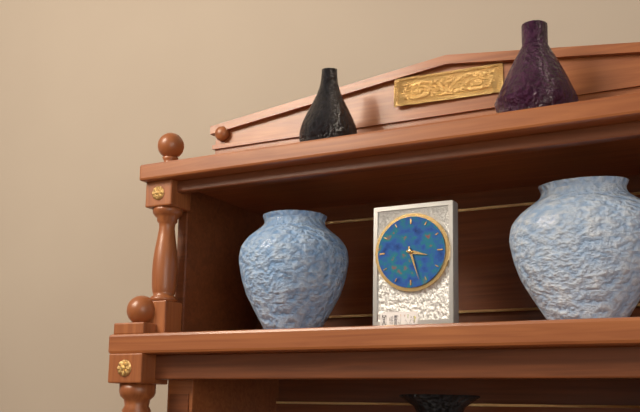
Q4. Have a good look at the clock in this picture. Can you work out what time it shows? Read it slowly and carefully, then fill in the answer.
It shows 3:27
